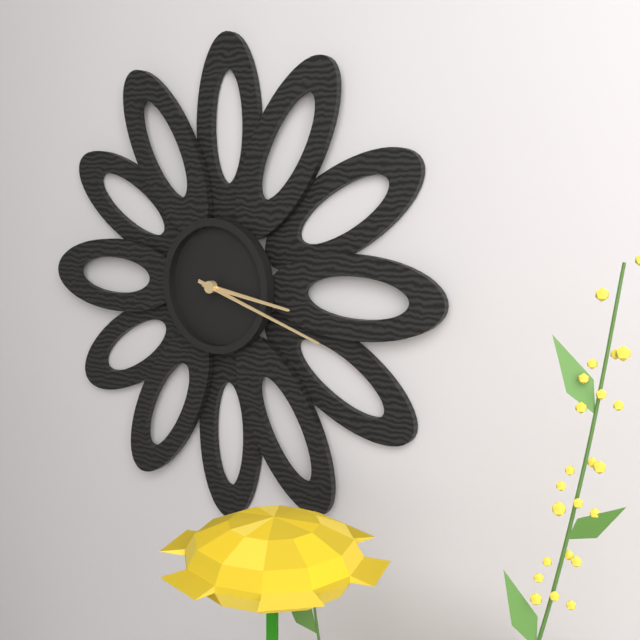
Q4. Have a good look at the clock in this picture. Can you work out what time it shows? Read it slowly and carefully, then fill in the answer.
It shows 3:18
